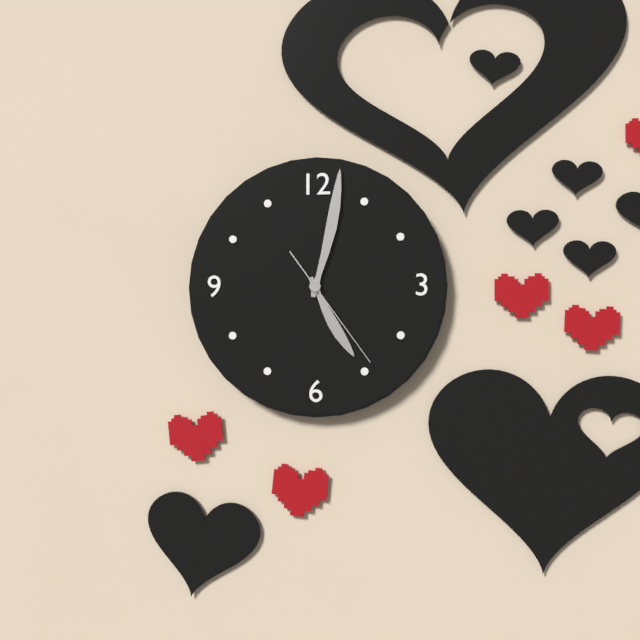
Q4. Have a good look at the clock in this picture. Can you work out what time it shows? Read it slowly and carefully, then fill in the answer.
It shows 5:02:24
